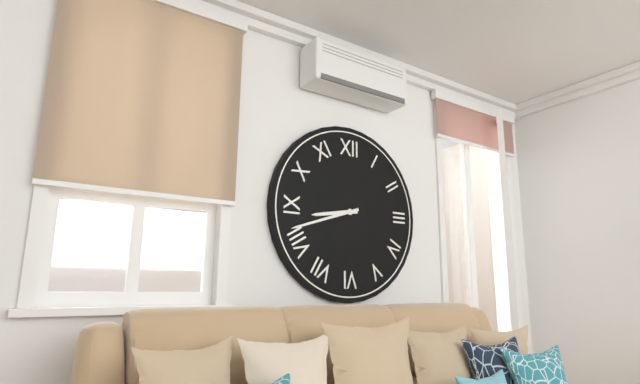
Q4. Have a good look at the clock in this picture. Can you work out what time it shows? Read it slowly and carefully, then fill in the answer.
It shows 8:42
